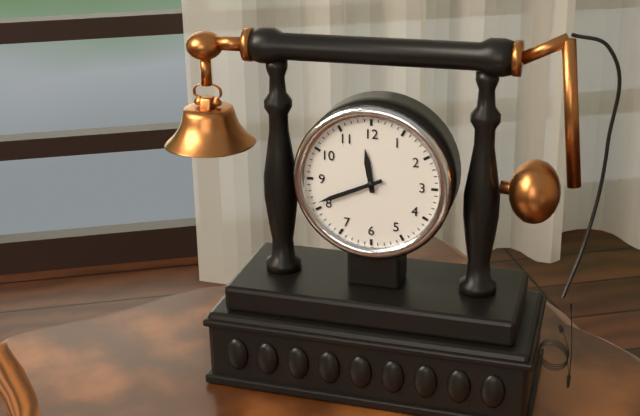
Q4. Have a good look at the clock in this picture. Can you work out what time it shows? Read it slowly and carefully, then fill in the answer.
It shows 11:41
